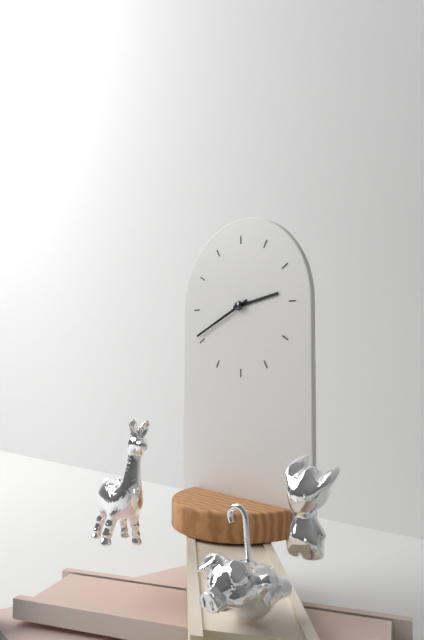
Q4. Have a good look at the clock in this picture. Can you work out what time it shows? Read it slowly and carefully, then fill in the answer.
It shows 2:41
